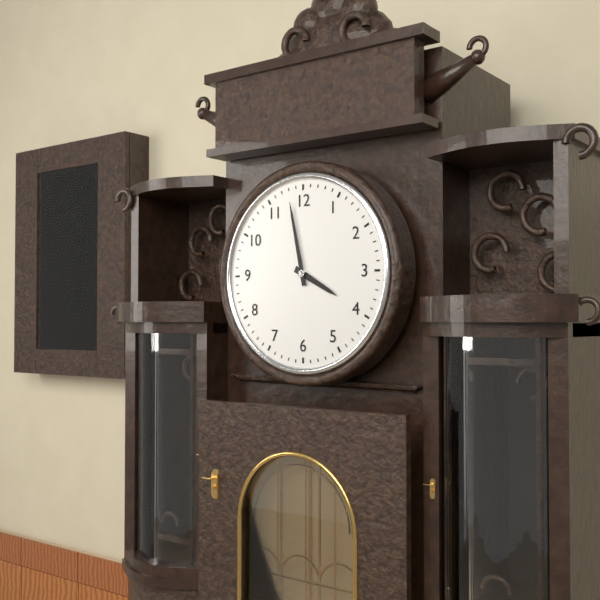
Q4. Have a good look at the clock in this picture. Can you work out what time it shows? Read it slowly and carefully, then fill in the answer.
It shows 3:58
